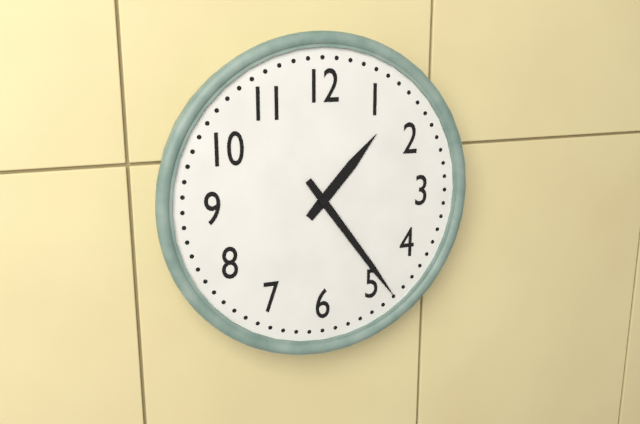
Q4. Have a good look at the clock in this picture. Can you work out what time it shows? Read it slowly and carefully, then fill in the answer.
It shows 1:24
